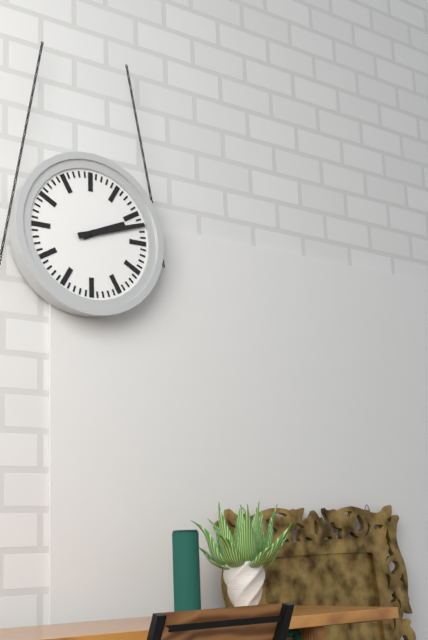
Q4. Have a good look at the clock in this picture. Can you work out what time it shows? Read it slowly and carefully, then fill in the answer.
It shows 2:12
